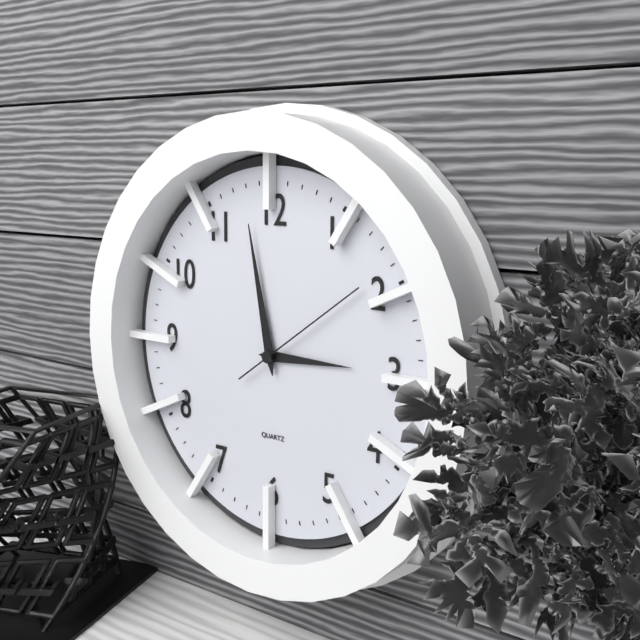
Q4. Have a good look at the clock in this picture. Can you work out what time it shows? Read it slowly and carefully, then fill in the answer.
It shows 2:58:09
